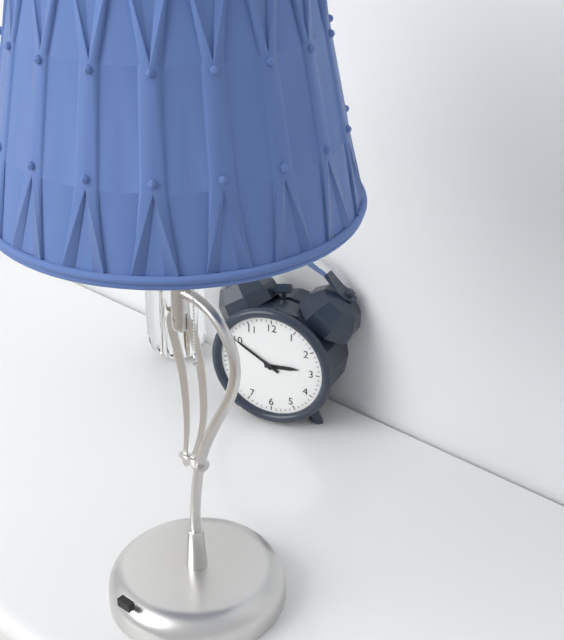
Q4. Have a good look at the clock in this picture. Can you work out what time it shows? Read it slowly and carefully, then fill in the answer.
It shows 2:50
